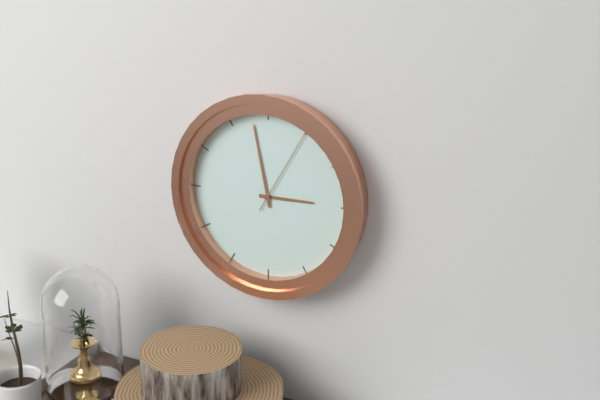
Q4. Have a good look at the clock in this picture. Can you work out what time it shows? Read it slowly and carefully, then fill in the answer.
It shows 2:58:05
